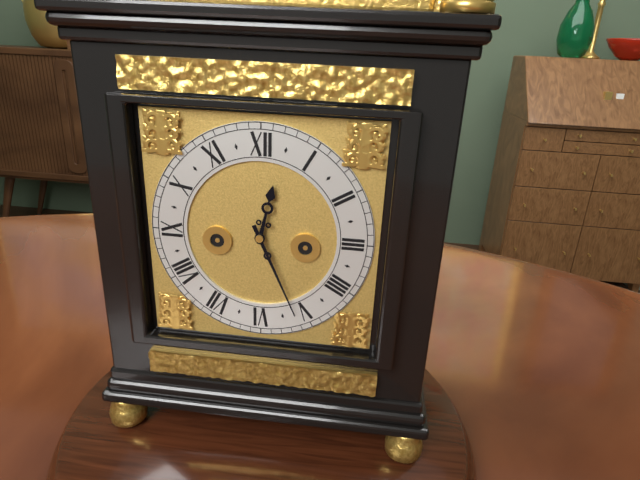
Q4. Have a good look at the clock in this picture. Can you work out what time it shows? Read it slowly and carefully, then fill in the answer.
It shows 12:26
